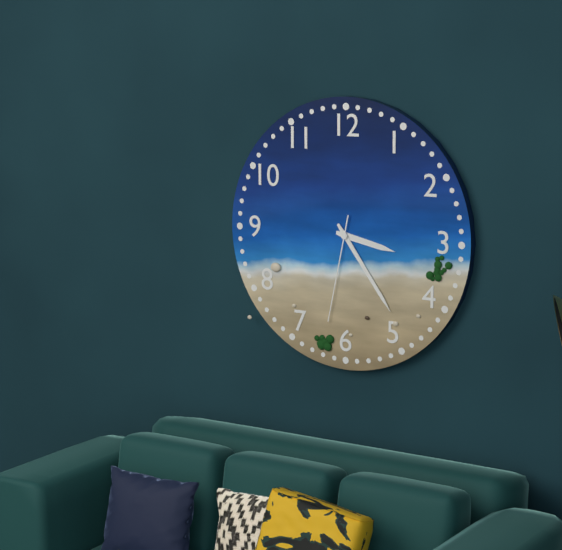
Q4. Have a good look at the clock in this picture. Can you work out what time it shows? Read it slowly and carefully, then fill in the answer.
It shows 3:24:32
